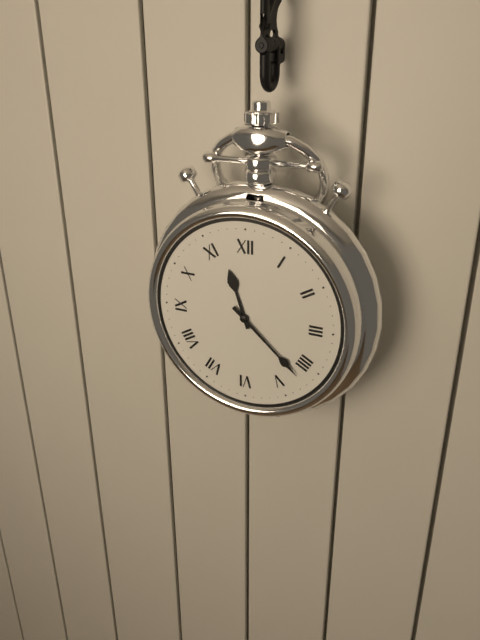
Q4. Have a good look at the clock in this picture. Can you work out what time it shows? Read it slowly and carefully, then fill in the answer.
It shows 11:22
